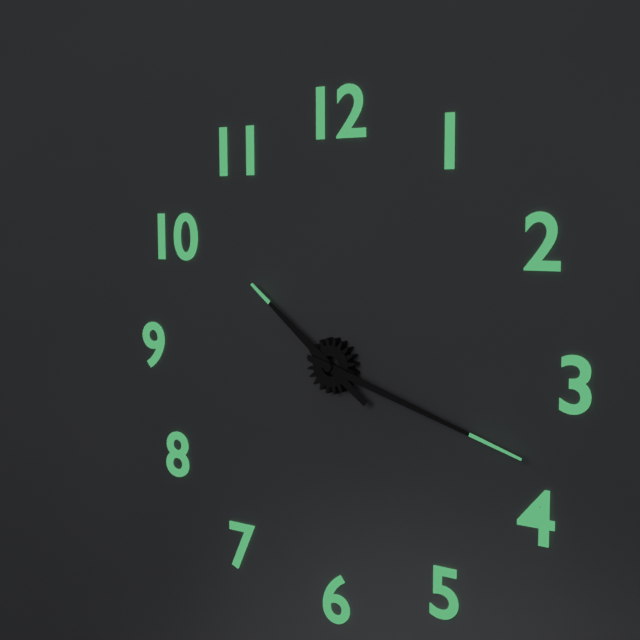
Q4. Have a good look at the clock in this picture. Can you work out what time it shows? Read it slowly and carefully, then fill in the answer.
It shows 10:18
